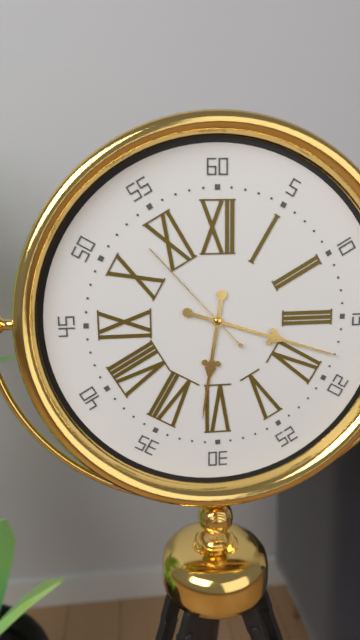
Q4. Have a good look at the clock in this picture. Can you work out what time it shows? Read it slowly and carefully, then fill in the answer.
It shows 6:18:53
